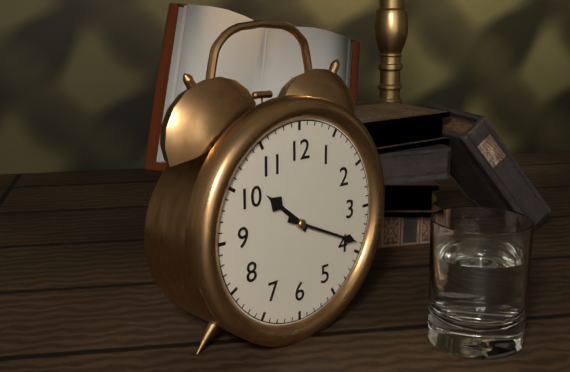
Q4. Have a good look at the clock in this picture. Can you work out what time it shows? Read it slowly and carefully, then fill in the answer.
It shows 10:19
